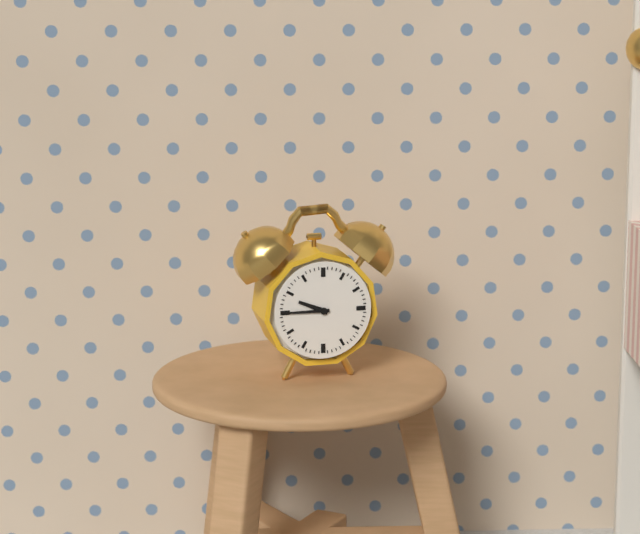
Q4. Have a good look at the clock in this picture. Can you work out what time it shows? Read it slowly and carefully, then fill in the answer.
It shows 9:45
